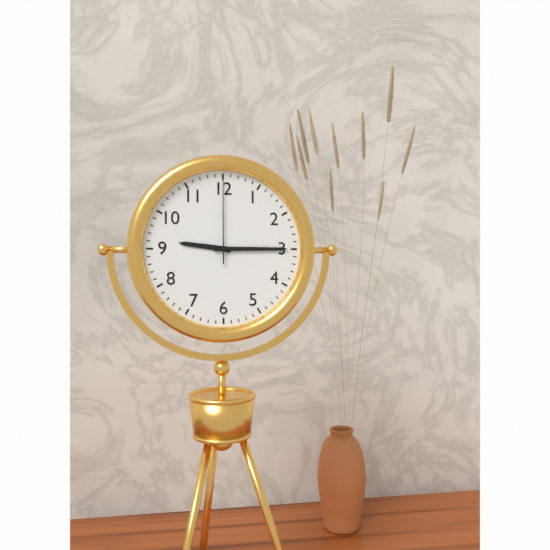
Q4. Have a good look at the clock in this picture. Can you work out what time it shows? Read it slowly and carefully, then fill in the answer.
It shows 9:15:00
